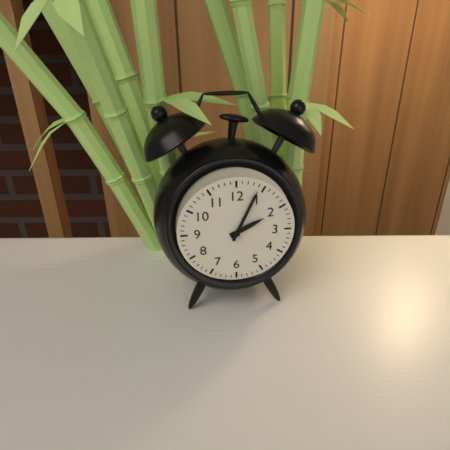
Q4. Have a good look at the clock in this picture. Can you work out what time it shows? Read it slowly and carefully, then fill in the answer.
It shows 2:04
